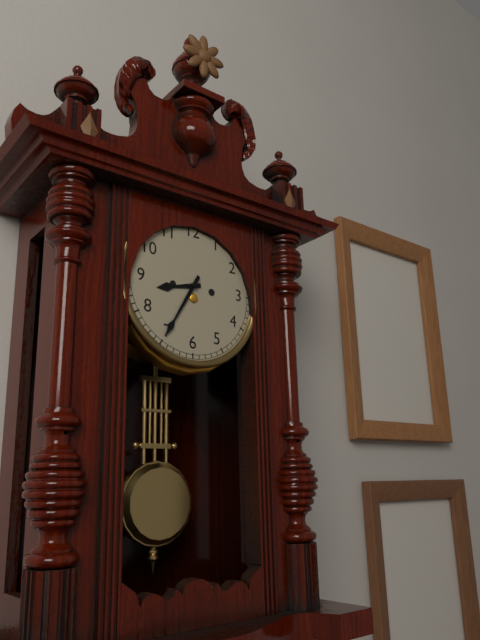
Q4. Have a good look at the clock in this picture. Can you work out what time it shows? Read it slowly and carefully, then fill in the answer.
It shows 8:35
